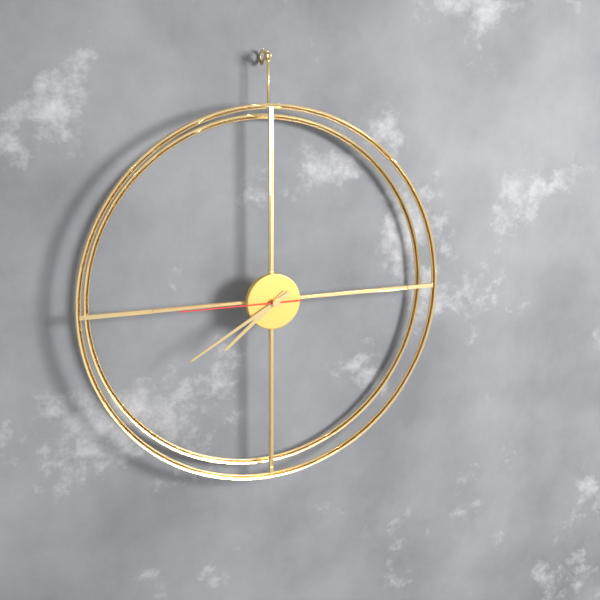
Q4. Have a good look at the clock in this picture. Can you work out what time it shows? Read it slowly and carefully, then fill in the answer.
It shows 7:40:45
